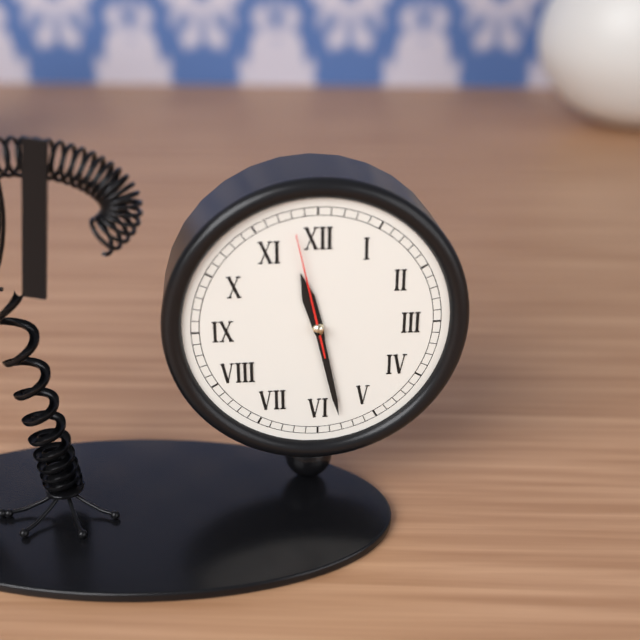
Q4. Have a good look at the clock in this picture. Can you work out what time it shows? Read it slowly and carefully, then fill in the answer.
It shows 11:28:58
